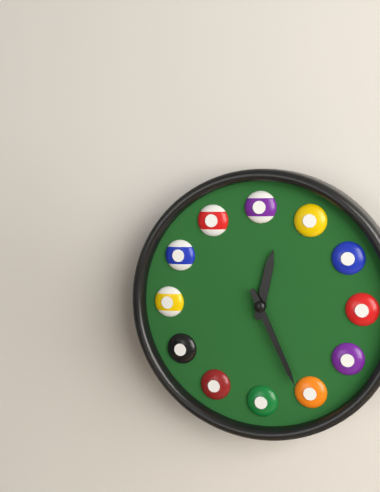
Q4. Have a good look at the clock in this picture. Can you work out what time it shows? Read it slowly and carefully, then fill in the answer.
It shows 12:26
